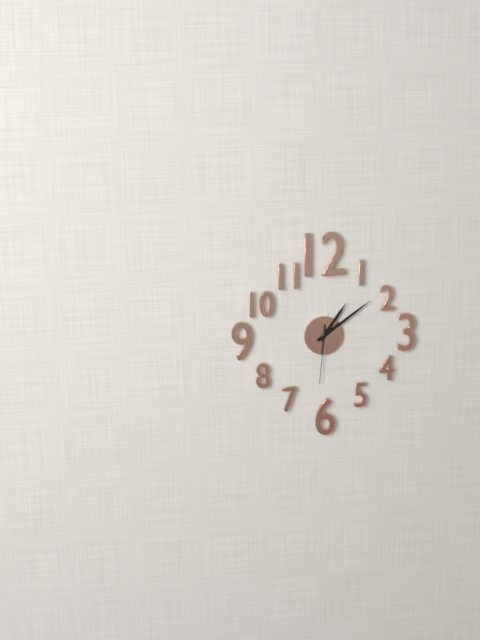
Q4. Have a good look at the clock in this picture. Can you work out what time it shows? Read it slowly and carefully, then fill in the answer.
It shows 1:09:31
